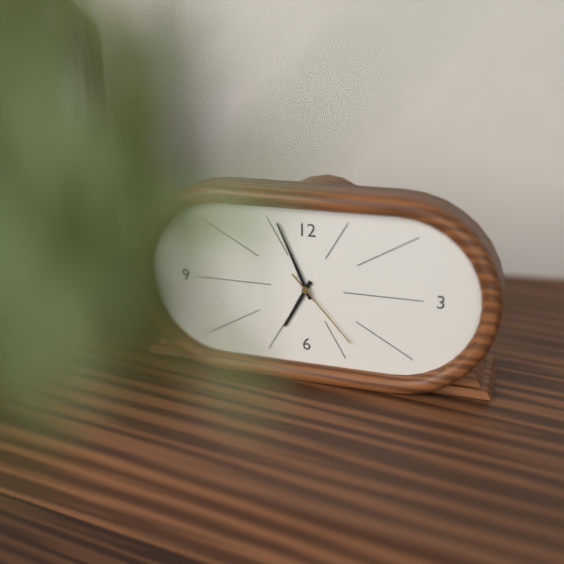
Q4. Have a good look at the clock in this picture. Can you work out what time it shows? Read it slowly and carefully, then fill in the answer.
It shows 6:56:23
